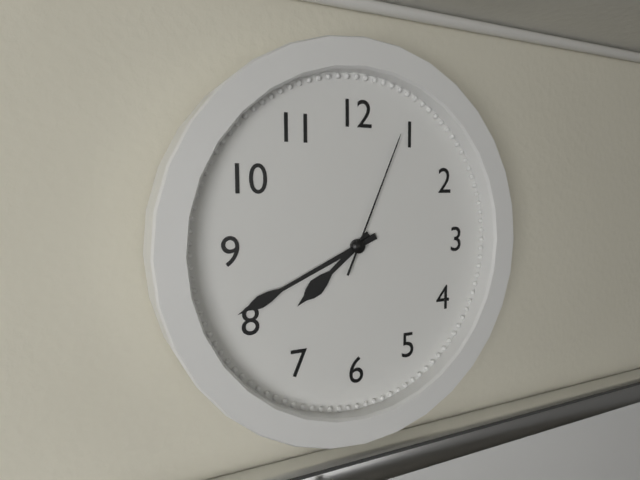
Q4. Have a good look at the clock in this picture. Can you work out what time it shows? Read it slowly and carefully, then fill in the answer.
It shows 7:41:04
